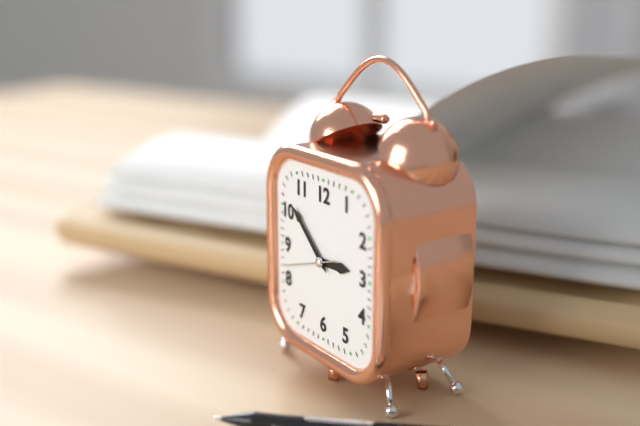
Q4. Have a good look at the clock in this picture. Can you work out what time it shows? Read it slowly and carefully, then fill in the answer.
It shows 2:52
